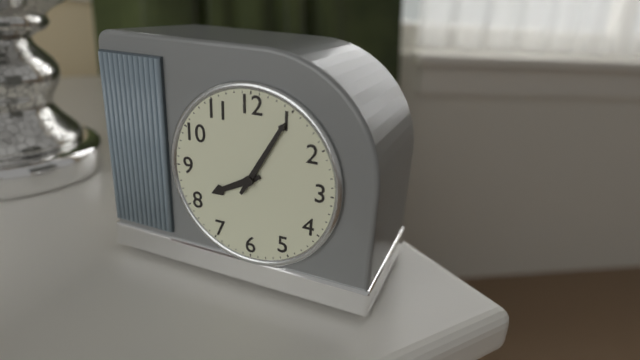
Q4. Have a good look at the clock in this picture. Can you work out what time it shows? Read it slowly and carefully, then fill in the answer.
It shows 8:05
